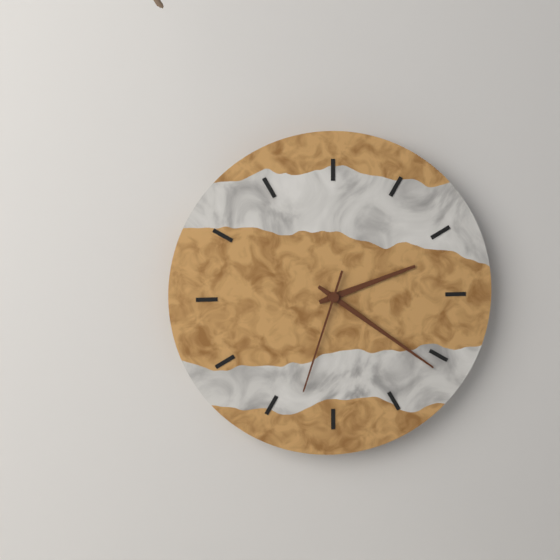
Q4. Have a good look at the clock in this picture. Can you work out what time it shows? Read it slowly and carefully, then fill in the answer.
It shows 2:21:33
